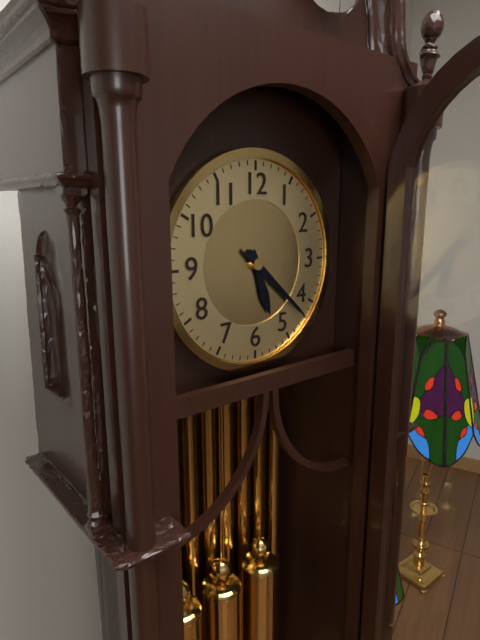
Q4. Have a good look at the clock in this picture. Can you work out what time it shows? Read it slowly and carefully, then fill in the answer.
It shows 5:22
